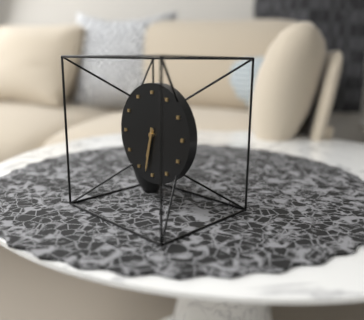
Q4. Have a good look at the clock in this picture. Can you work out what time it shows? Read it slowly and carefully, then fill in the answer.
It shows 6:32
